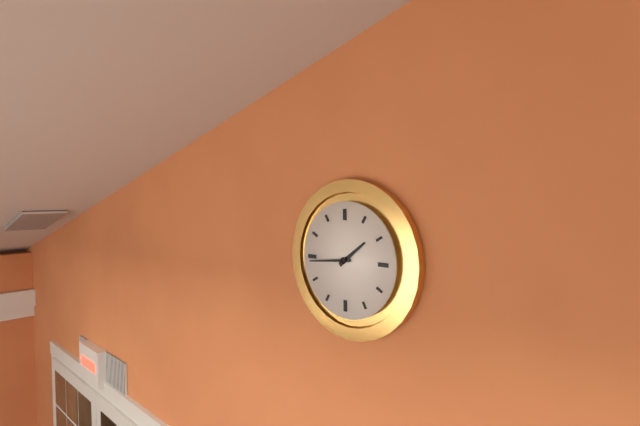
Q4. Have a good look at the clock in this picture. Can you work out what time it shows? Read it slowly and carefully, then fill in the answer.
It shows 1:44
